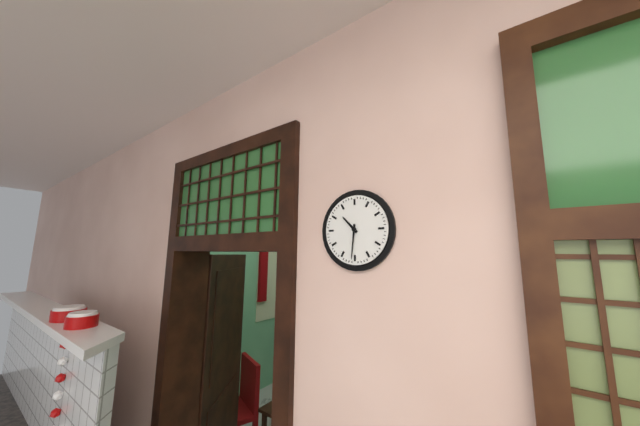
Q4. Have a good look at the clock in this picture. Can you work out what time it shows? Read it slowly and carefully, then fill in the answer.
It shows 10:31
